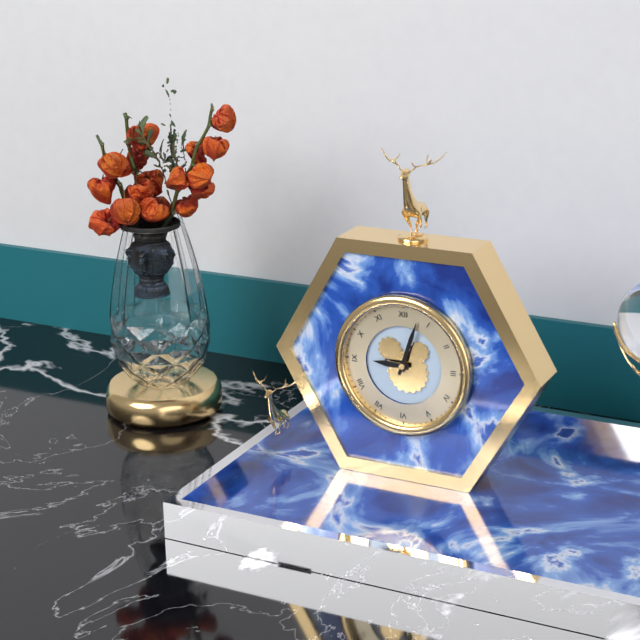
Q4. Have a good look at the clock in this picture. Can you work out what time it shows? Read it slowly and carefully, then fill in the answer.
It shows 9:03
